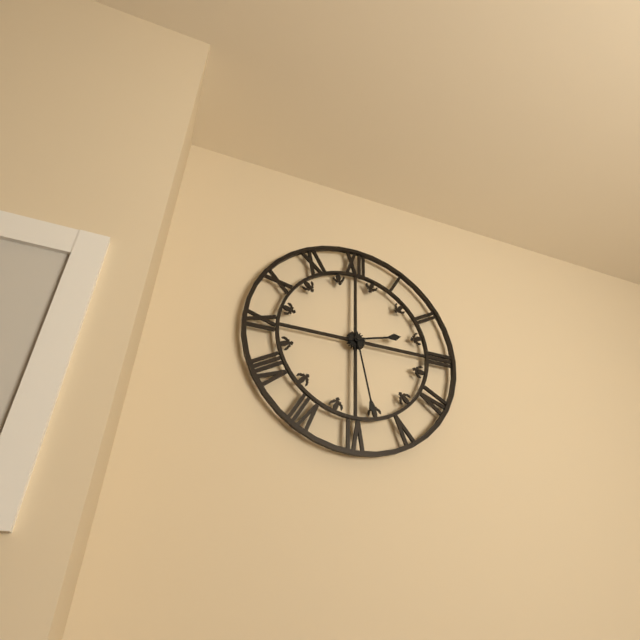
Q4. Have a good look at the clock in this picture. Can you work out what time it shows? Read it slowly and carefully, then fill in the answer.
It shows 2:28
